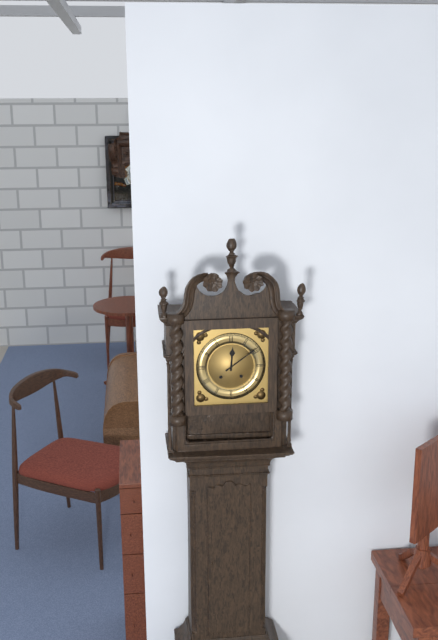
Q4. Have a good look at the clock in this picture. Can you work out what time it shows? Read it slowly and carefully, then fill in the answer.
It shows 12:09
